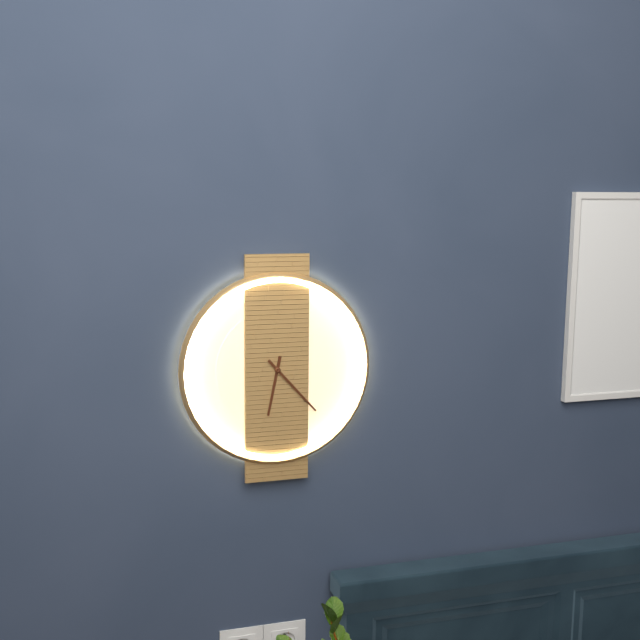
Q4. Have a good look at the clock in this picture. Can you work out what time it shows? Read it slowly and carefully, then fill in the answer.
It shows 6:23
